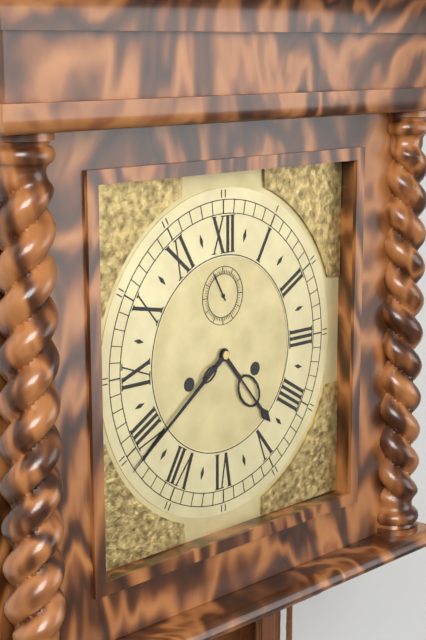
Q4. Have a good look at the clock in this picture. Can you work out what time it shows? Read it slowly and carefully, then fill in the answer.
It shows 4:39
